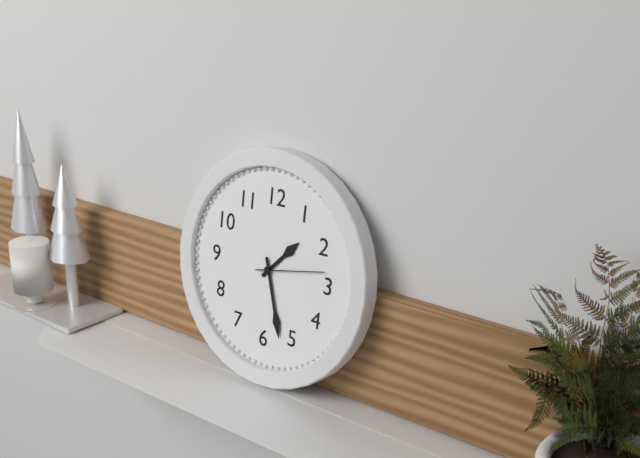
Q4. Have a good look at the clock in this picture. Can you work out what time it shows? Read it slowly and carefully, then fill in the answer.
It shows 1:27:13
